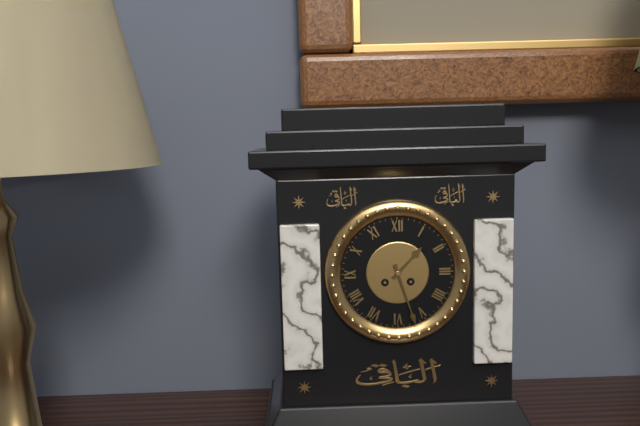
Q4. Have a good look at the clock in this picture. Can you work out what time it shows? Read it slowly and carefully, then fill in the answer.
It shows 1:27
